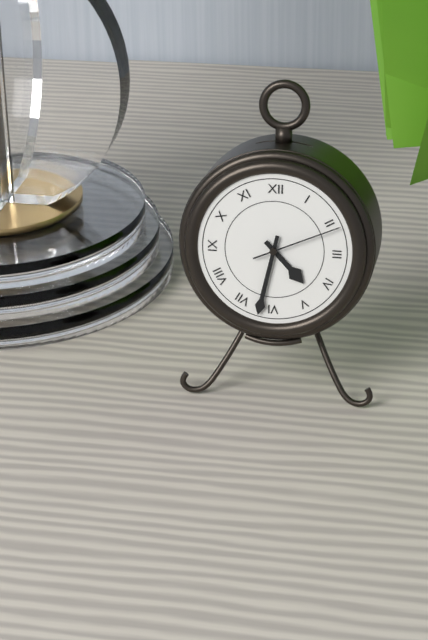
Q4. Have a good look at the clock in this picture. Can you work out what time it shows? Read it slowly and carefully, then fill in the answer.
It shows 4:32:11
